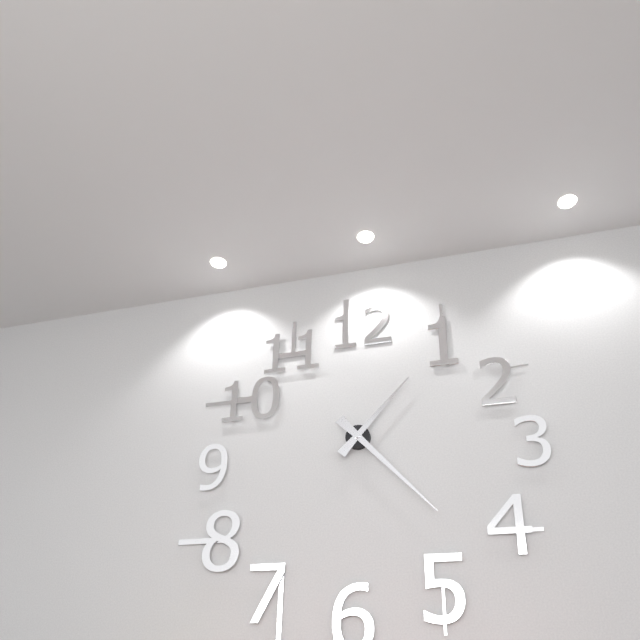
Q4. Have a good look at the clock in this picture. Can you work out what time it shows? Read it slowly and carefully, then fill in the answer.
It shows 1:23
